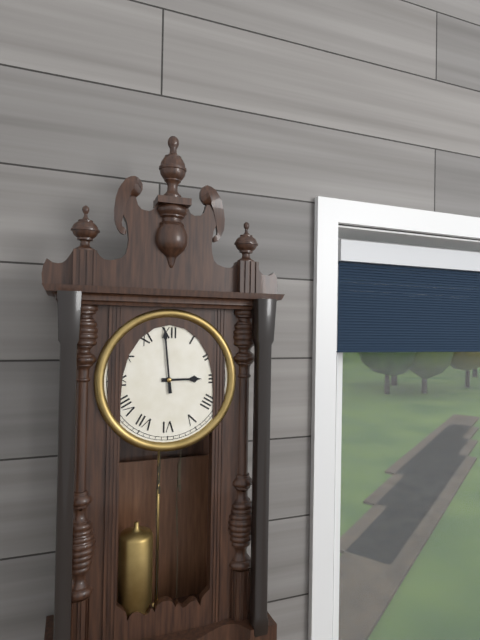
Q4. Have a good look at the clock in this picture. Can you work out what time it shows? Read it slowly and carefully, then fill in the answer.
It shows 2:59
